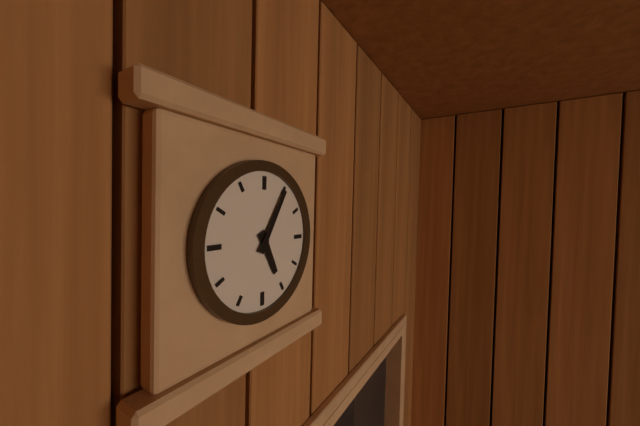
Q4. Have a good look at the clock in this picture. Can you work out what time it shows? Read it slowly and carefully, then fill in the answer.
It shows 5:05
